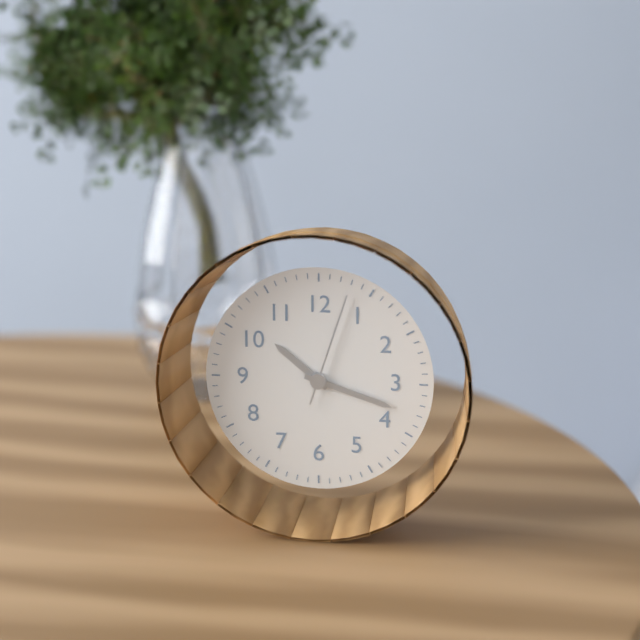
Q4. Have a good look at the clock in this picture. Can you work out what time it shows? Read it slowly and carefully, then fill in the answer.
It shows 10:18:03
